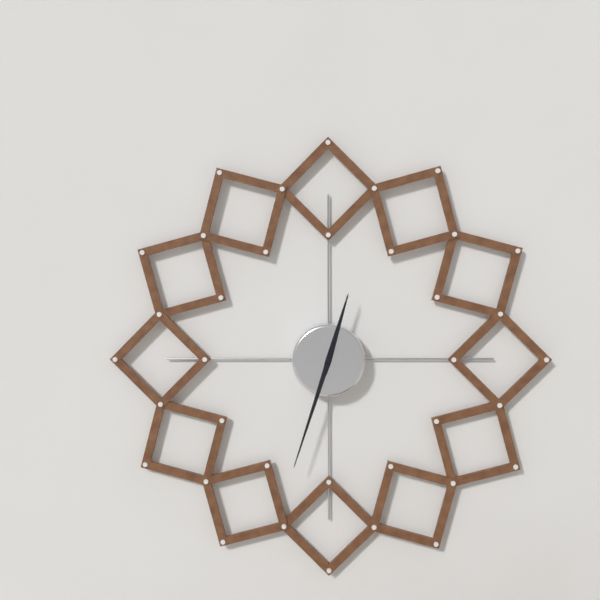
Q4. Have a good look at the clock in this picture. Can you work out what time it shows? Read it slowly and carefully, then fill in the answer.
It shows 12:33
